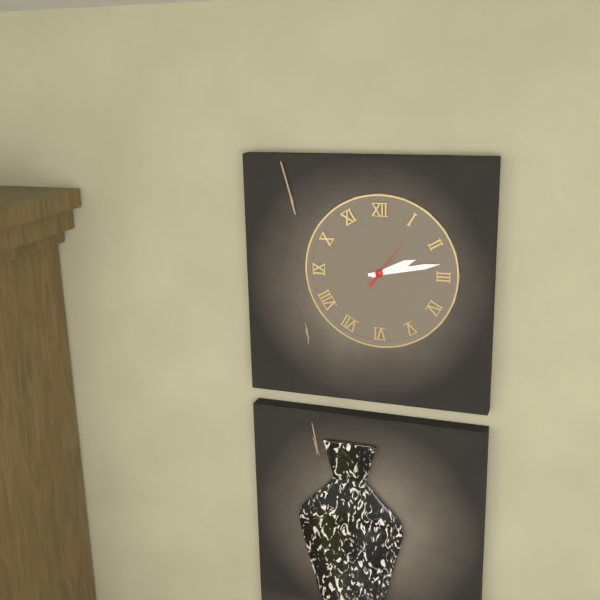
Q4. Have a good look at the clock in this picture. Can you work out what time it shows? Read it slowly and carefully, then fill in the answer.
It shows 2:13:06
